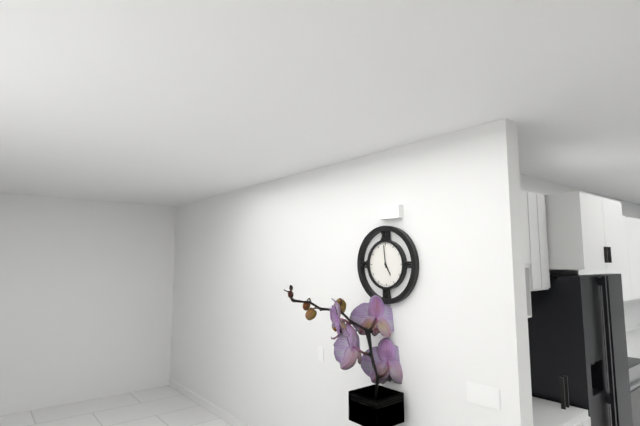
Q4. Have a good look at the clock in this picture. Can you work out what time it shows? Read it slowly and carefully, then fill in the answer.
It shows 4:59
